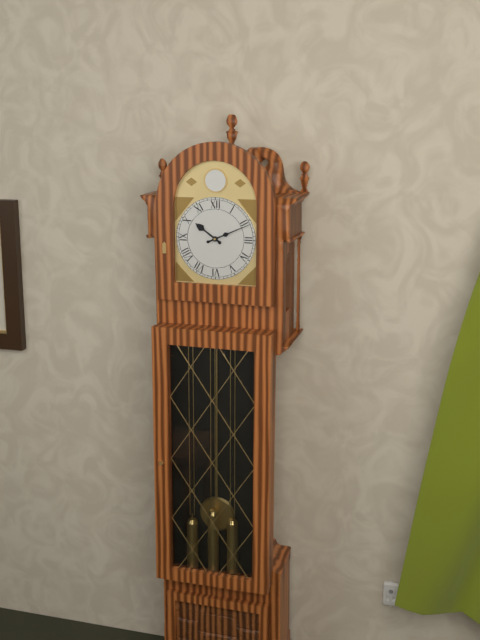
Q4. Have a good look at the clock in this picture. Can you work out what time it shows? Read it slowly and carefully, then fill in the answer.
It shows 10:11
